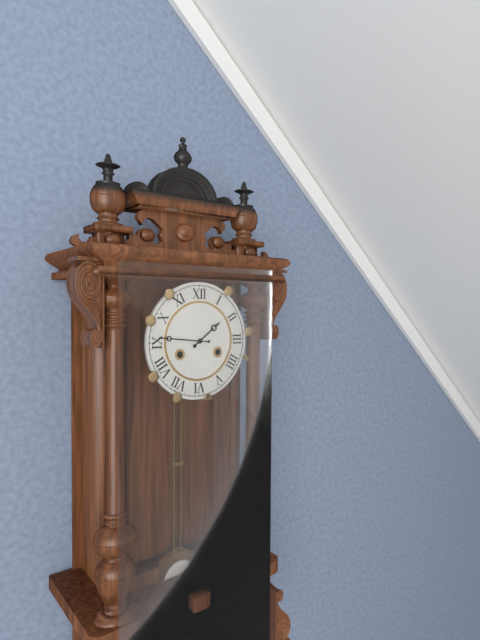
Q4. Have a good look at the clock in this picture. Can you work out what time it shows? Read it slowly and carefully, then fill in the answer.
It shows 1:46
